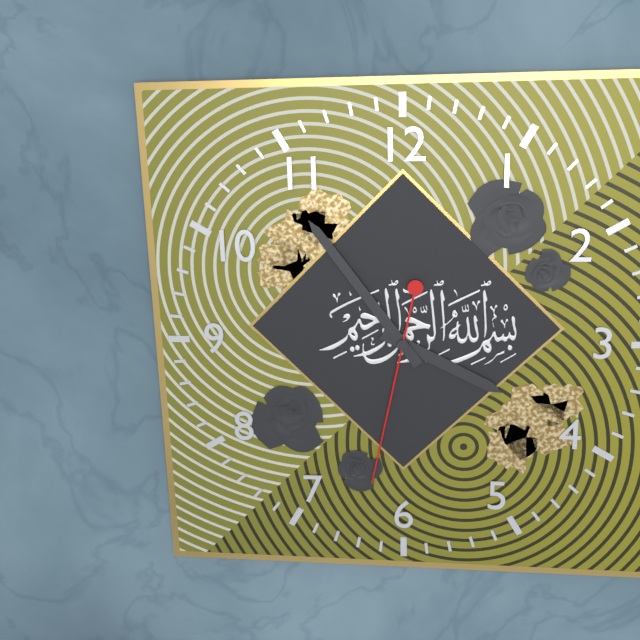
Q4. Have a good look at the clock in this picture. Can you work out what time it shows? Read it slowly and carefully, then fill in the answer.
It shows 3:54:32
